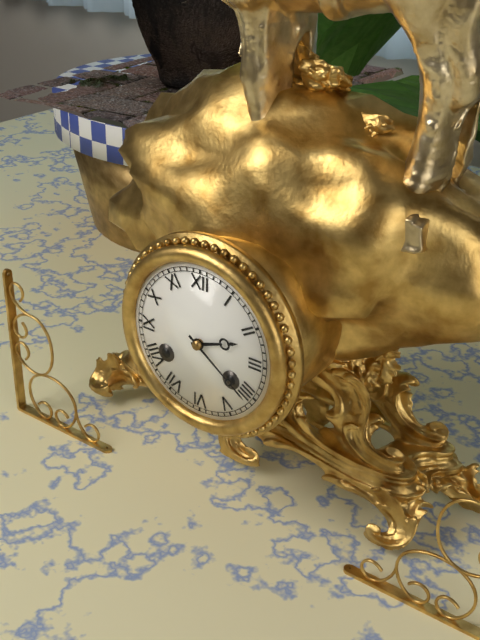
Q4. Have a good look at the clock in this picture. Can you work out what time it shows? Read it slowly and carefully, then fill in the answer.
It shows 2:21
